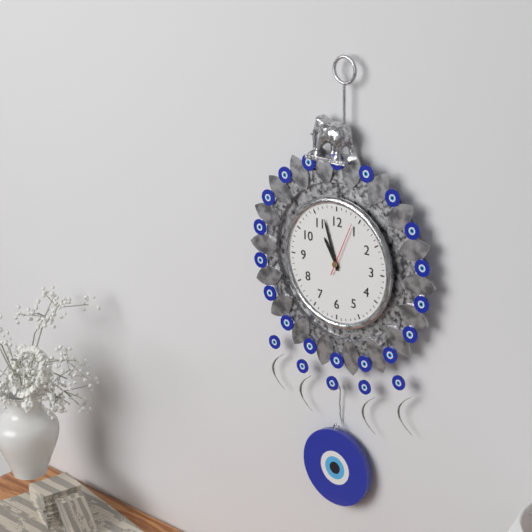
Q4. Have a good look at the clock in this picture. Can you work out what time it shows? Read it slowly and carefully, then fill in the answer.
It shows 10:57:04
